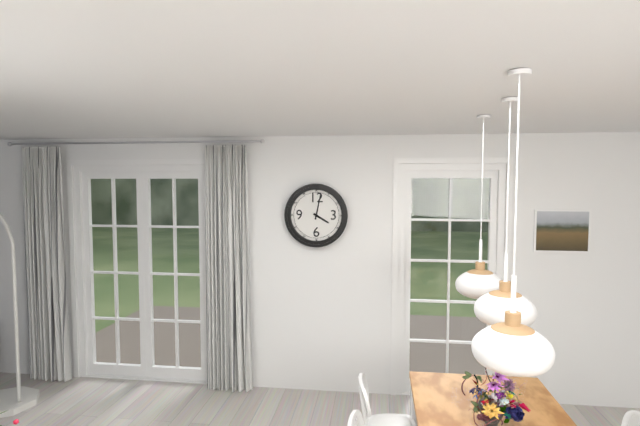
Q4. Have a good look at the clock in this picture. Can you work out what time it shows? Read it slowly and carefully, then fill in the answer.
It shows 4:02
